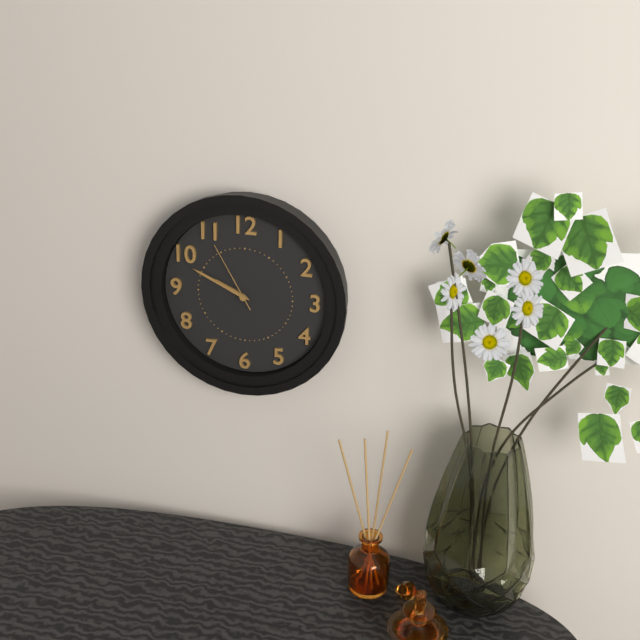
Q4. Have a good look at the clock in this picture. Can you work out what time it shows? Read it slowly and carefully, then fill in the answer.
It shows 9:49:55
